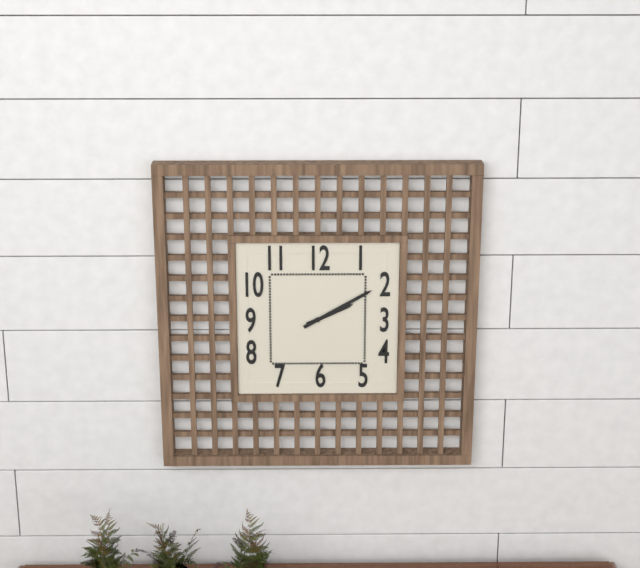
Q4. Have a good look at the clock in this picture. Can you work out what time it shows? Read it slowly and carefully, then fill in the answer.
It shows 2:10
